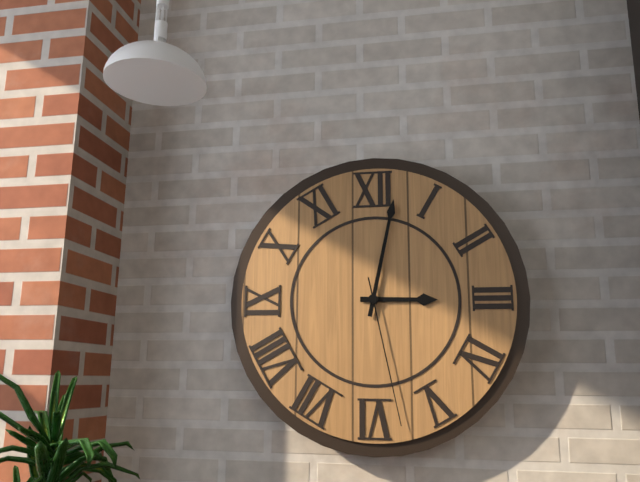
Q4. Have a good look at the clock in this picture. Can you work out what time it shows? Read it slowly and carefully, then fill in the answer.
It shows 3:02:28
